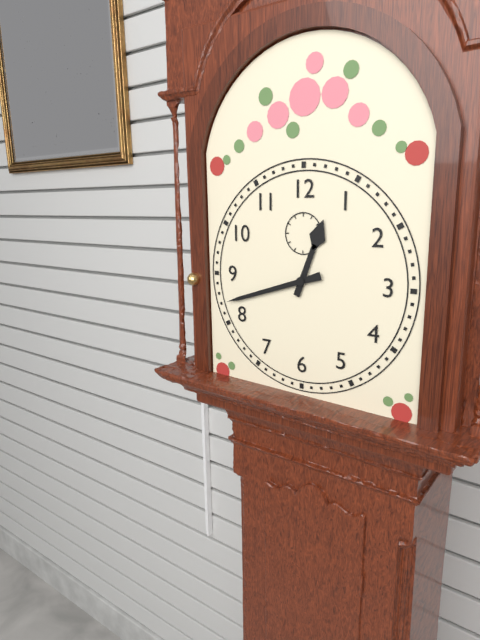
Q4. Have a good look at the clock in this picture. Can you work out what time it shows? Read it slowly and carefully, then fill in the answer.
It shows 12:42
